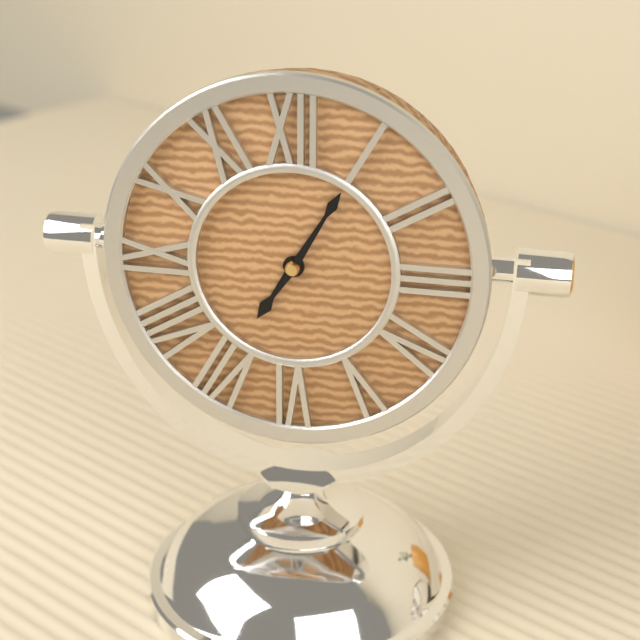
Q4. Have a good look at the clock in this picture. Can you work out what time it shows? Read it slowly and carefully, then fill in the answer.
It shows 7:05
